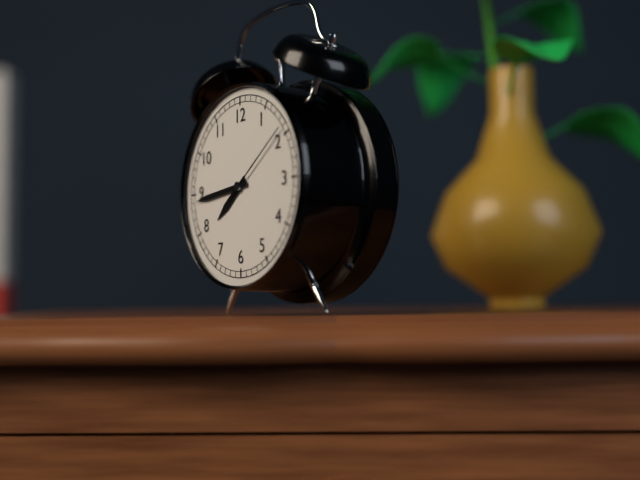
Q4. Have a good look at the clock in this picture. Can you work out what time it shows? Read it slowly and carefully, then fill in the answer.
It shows 7:44:09
